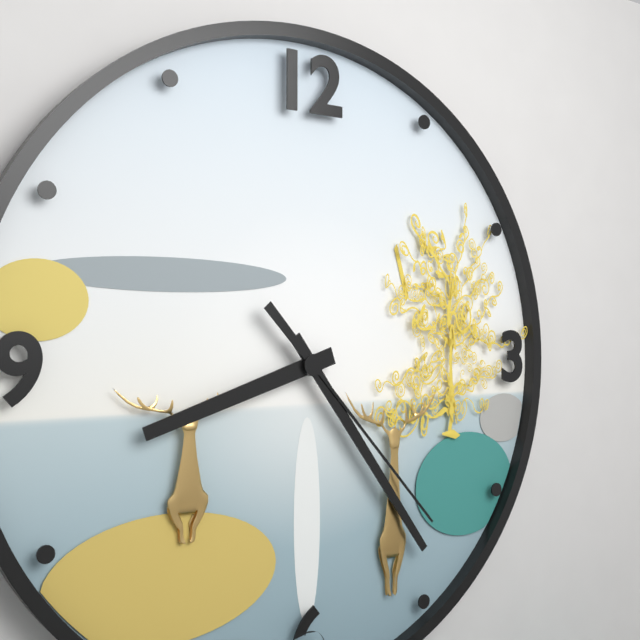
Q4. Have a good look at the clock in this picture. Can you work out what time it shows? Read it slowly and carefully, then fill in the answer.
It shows 8:24:23
